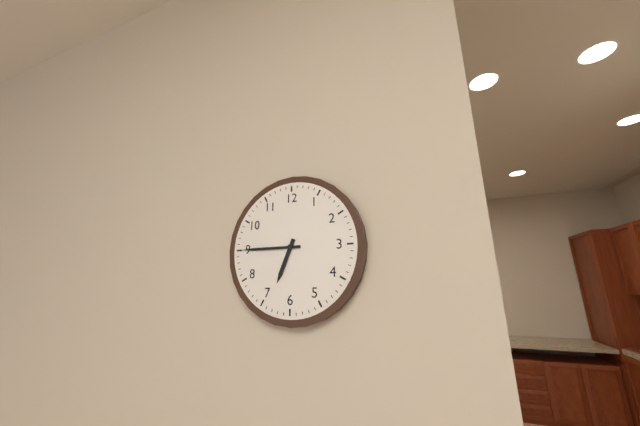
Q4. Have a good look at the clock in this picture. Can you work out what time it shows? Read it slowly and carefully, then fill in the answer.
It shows 6:45
